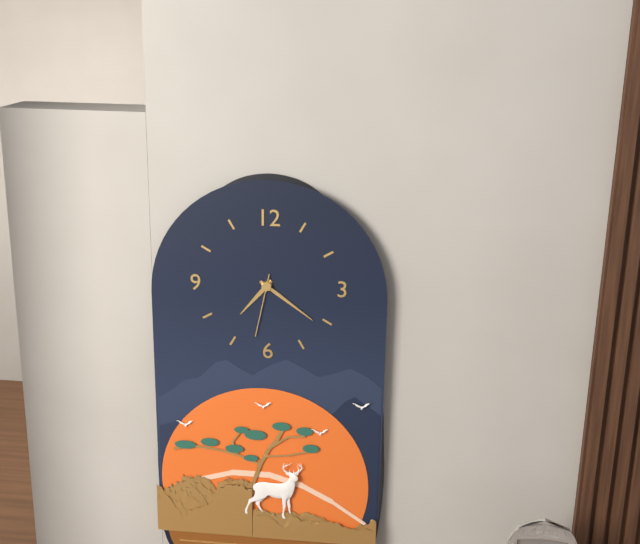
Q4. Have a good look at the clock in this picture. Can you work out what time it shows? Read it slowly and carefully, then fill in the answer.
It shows 7:21:32
